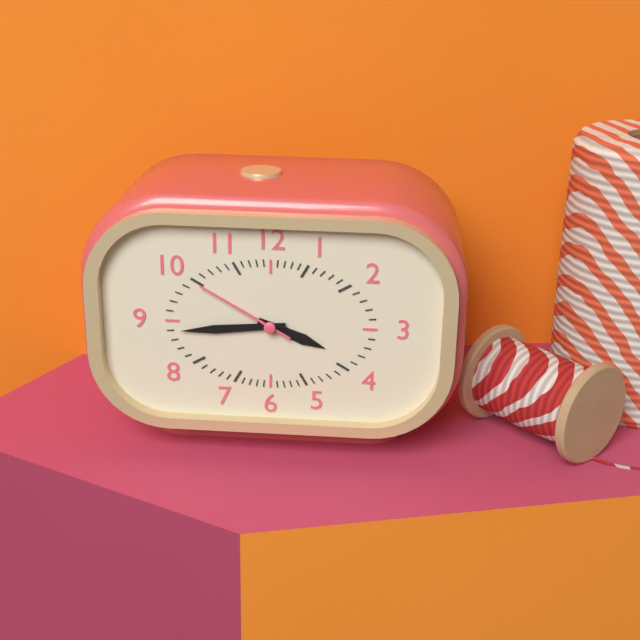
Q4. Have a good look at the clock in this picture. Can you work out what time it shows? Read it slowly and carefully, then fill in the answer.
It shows 3:44:50
